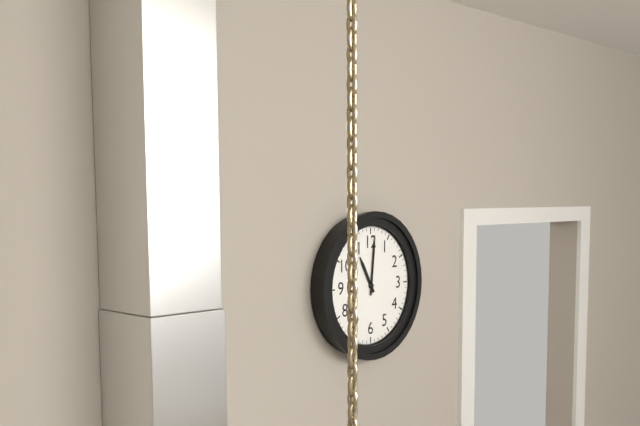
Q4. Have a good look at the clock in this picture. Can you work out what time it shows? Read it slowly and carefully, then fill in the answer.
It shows 11:01
